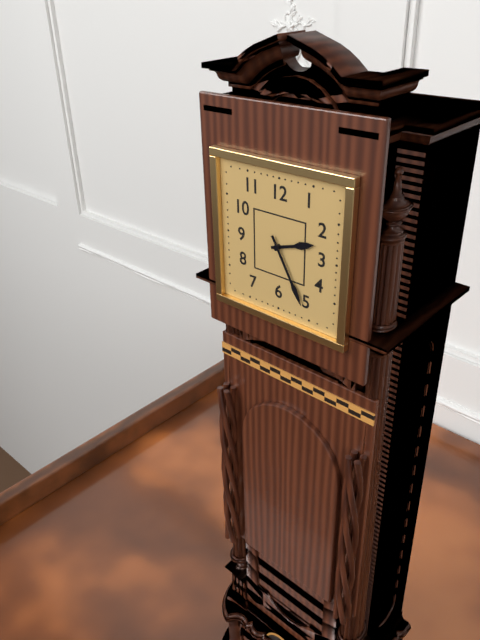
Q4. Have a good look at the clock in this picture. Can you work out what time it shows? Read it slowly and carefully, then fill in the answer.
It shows 2:25
